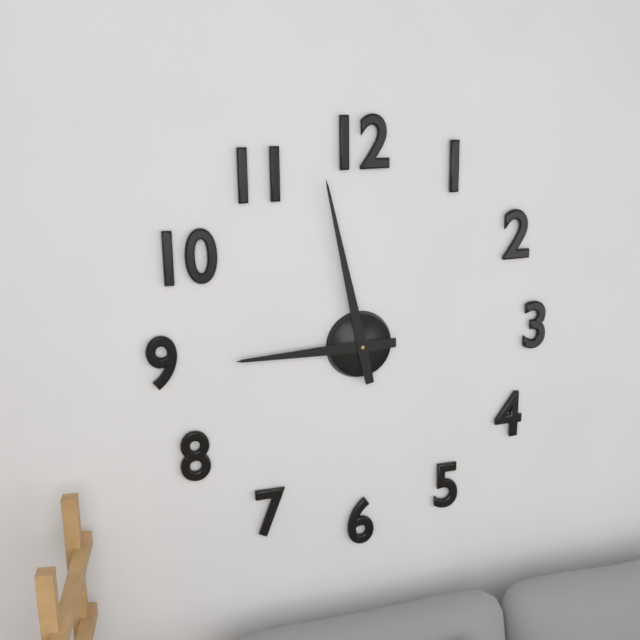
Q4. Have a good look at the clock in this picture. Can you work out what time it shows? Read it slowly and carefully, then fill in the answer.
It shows 8:58
